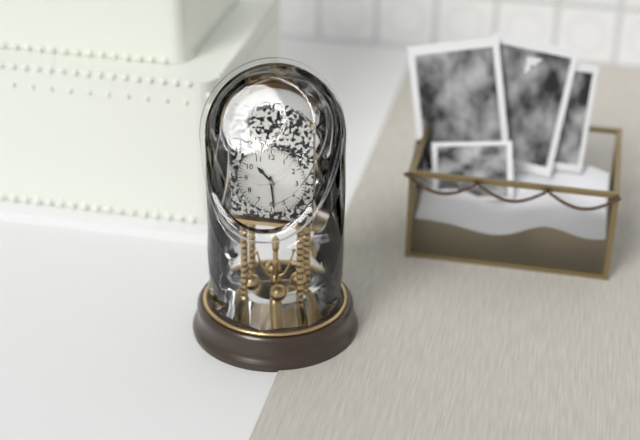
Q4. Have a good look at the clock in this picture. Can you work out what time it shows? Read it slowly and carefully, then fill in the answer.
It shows 10:29
